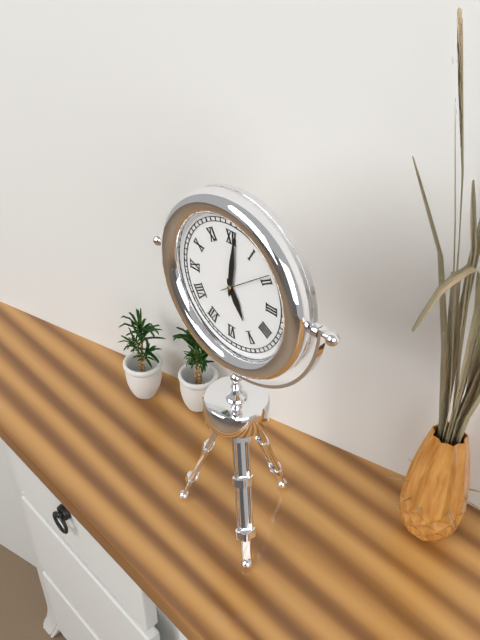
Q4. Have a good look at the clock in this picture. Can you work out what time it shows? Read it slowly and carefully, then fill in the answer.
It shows 5:01
